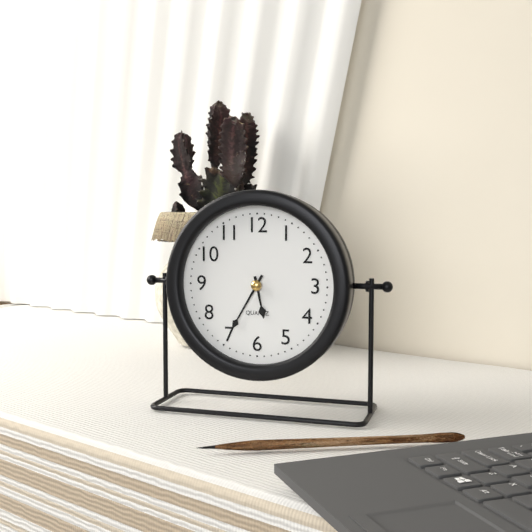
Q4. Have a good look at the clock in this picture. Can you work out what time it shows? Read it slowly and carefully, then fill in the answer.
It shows 5:35
